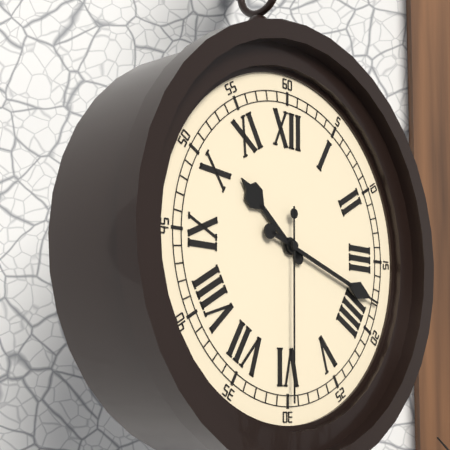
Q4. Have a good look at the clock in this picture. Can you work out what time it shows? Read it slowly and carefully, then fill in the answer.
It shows 10:18:30
